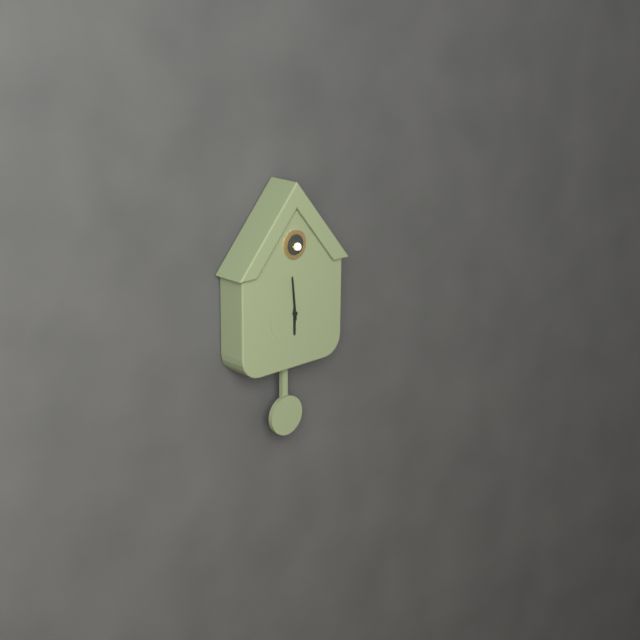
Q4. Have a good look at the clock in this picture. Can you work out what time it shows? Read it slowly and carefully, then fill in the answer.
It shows 5:59
